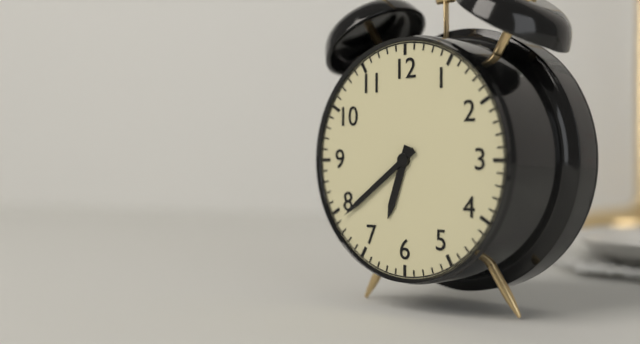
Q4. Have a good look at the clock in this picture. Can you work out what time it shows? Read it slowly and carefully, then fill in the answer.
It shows 6:39
